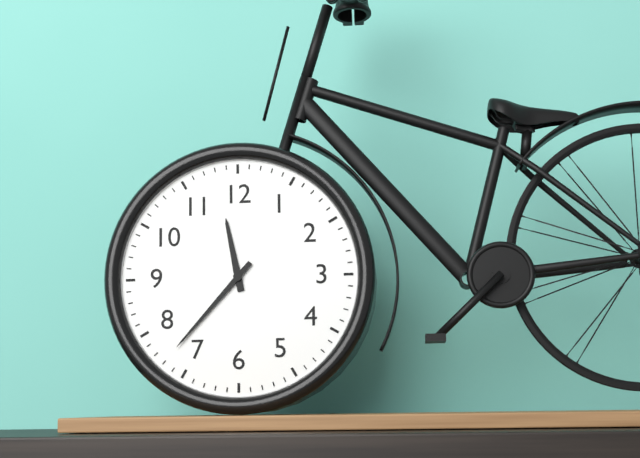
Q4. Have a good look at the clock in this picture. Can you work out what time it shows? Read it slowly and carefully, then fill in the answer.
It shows 11:37
